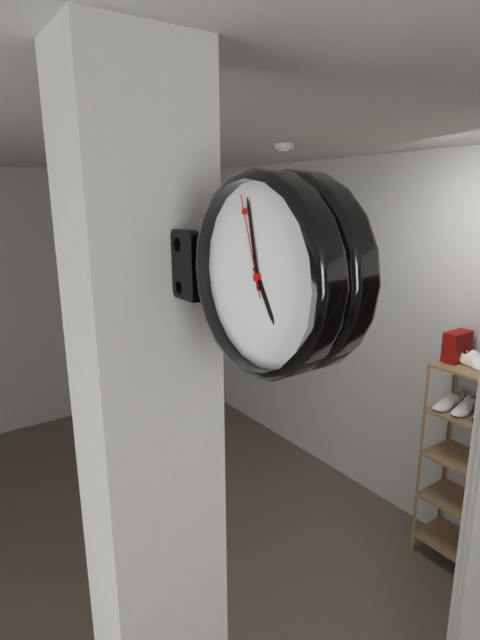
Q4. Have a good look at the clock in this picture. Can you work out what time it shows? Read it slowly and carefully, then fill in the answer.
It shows 4:58:57
